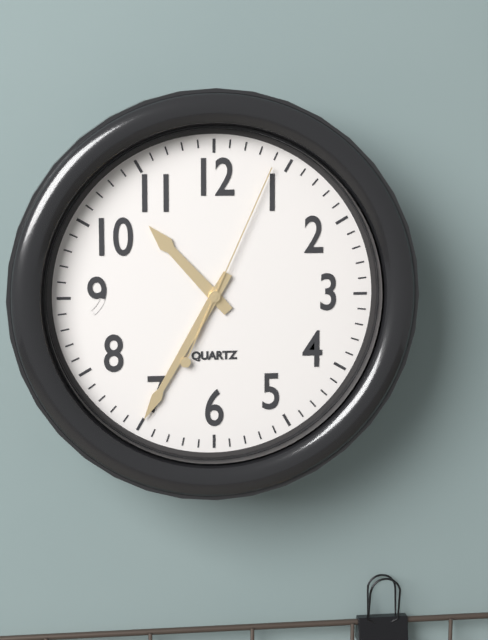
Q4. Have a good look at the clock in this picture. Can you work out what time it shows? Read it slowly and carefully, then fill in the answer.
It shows 10:35:04
